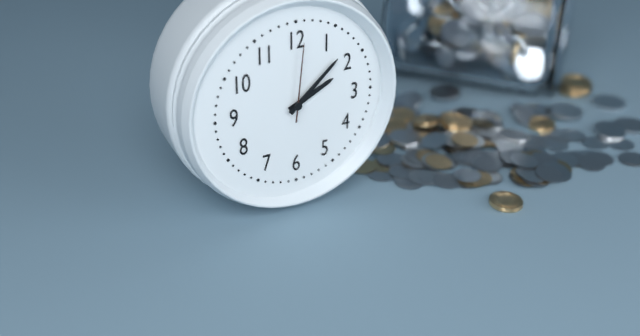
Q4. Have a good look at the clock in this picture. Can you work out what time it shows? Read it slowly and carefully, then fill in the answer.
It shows 2:08:01
